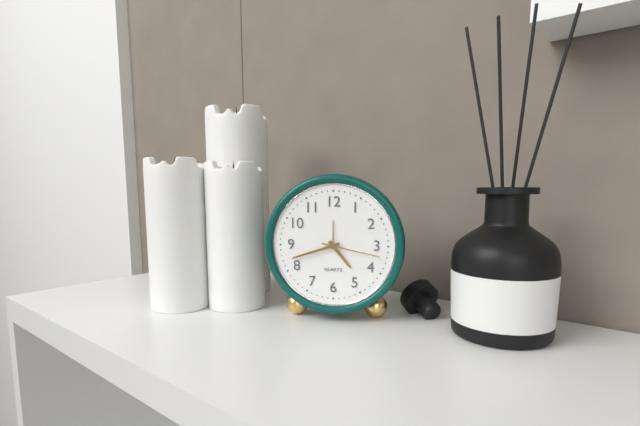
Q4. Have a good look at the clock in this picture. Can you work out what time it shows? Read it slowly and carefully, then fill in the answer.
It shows 4:42:17
